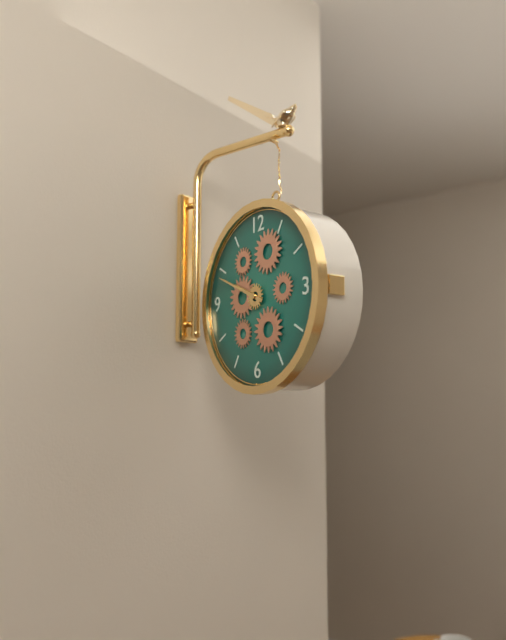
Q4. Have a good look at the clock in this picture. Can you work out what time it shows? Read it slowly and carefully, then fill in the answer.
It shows 9:49
